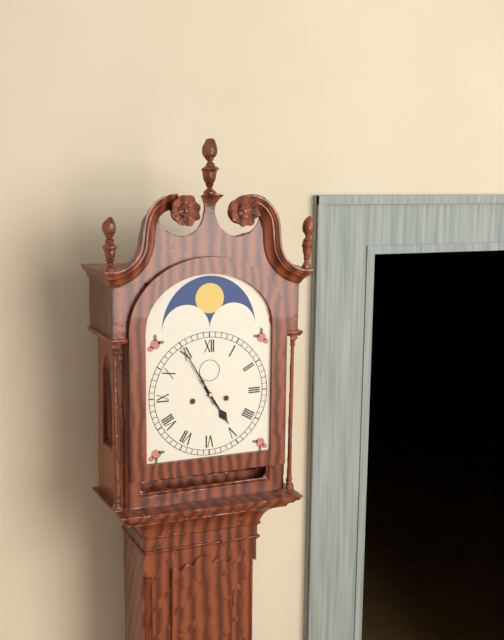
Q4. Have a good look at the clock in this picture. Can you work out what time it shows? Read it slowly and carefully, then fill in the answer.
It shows 4:55
